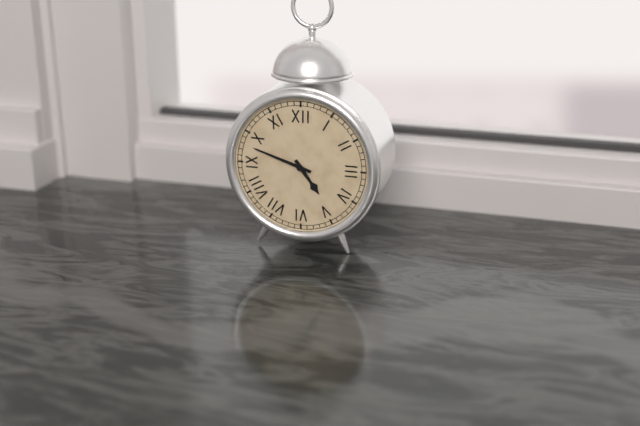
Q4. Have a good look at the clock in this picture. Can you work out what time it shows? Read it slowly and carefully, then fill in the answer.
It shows 4:48
